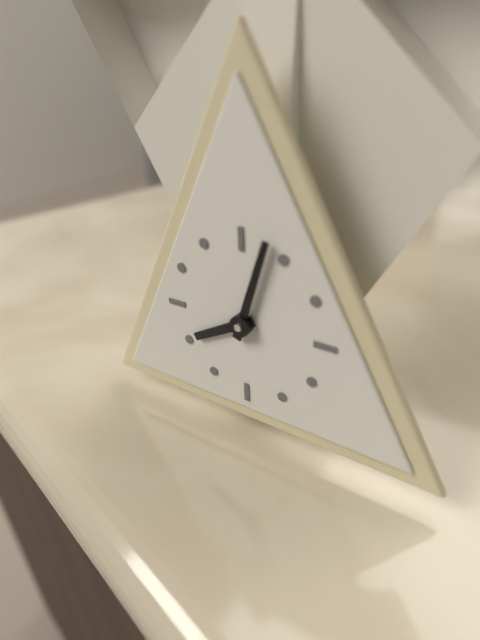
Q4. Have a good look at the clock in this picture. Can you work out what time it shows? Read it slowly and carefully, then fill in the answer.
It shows 8:03
